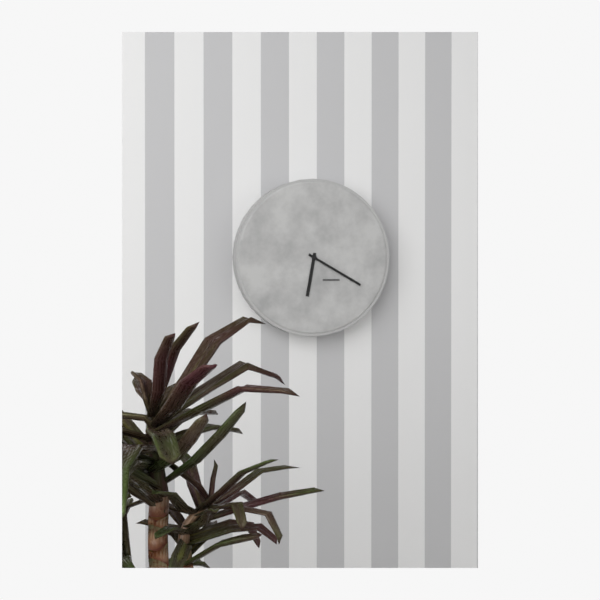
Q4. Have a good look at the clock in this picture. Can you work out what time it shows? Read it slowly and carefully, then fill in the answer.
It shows 6:20
